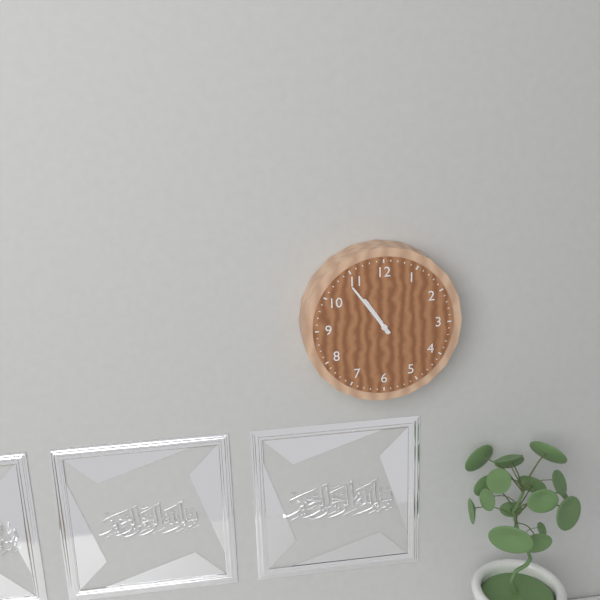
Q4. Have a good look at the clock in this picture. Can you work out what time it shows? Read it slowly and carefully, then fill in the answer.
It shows 10:54
